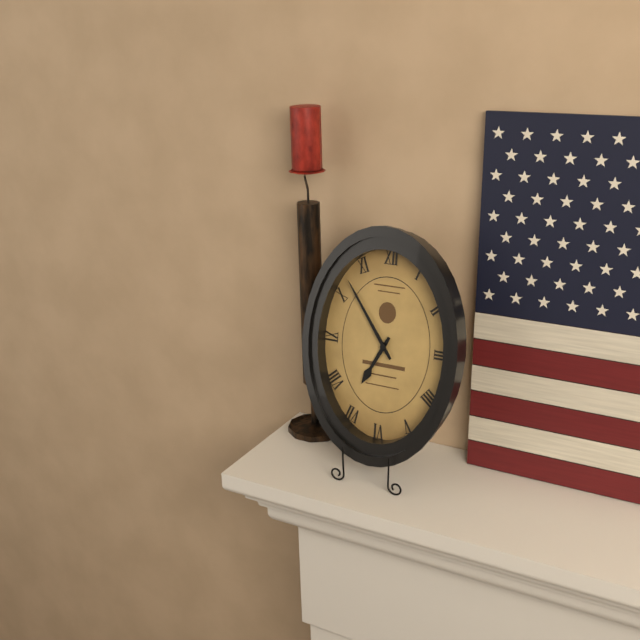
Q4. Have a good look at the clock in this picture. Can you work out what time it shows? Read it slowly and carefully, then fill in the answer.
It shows 6:54
